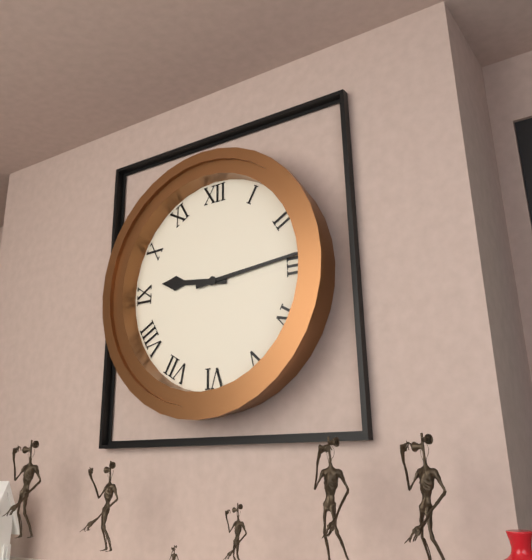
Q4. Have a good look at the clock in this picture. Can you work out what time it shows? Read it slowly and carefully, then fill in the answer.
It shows 9:14
